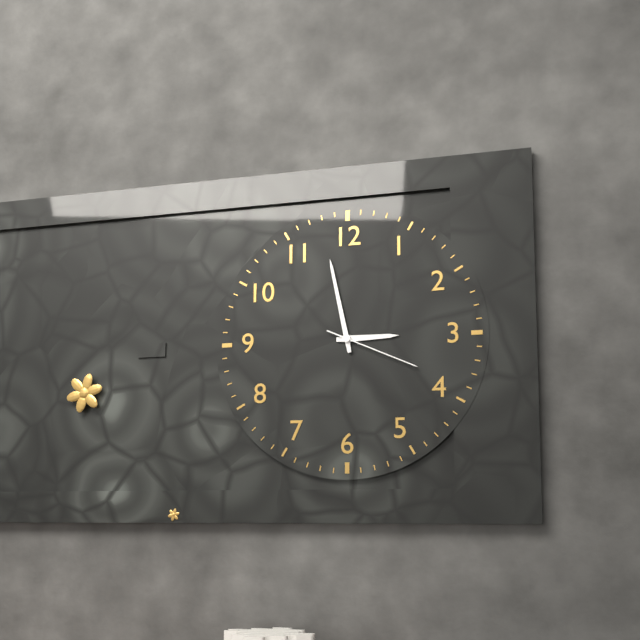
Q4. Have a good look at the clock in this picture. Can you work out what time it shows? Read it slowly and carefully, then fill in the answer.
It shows 2:58:19
